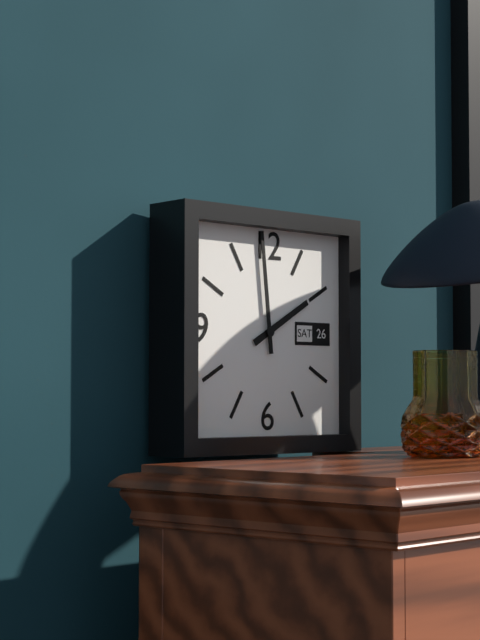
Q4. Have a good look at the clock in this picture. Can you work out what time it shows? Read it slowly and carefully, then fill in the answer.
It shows 1:59
